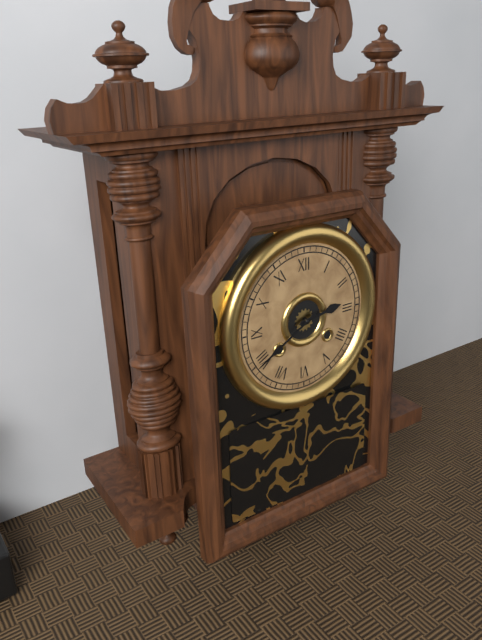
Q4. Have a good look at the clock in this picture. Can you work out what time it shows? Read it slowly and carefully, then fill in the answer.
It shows 2:40
